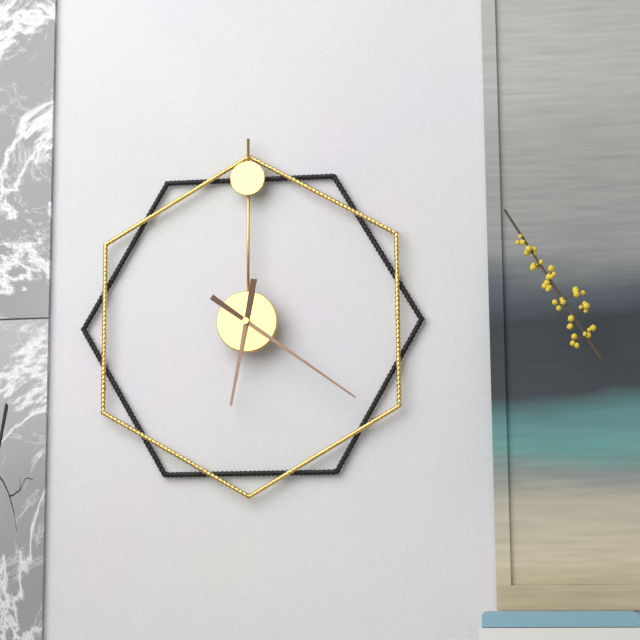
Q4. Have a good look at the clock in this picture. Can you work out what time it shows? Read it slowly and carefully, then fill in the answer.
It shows 6:21
